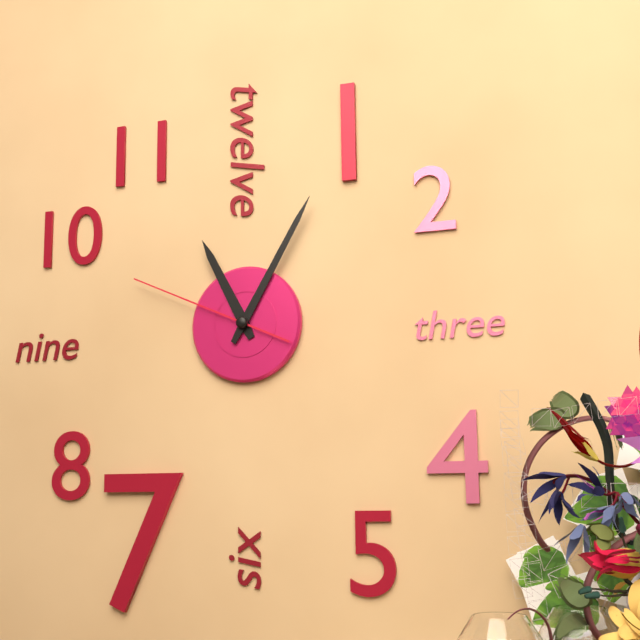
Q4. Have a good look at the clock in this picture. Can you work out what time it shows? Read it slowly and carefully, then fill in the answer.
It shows 11:05:49
